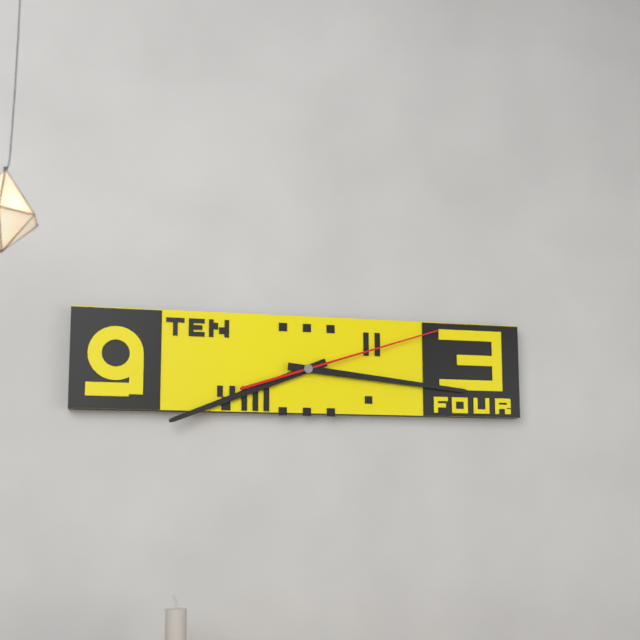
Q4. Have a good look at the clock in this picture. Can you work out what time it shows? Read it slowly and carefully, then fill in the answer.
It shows 8:16:12
